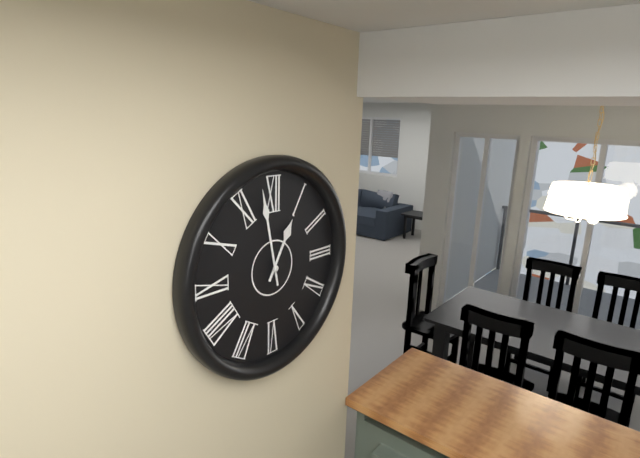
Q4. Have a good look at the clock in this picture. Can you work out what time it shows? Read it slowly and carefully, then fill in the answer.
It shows 12:58
